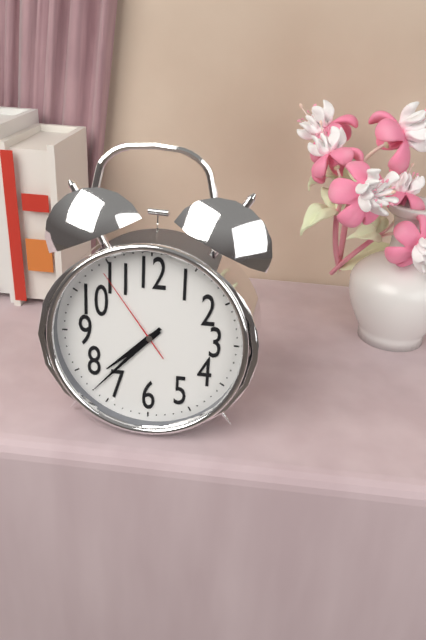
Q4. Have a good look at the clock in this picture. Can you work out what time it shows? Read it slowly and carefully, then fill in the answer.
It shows 7:37:54
